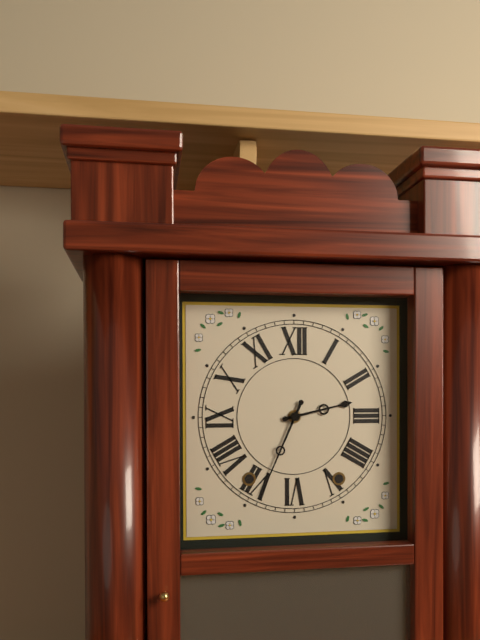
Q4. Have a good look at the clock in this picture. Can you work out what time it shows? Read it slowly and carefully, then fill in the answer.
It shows 2:34
